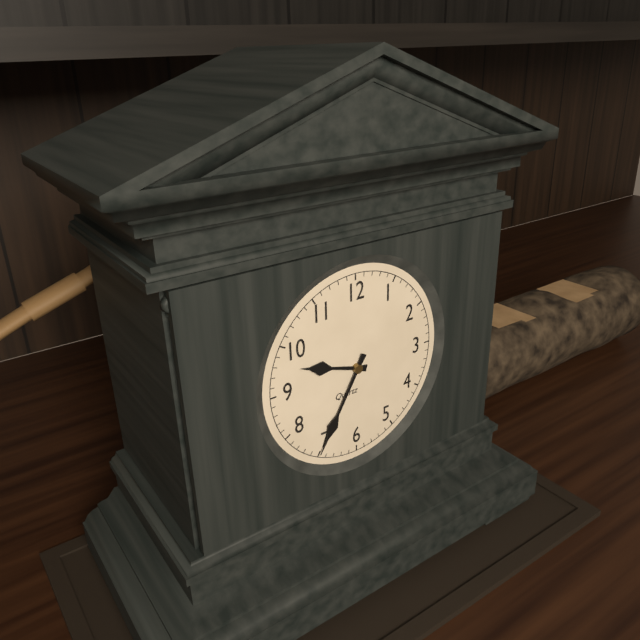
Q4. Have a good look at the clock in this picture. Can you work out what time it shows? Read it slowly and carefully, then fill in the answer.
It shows 9:35
